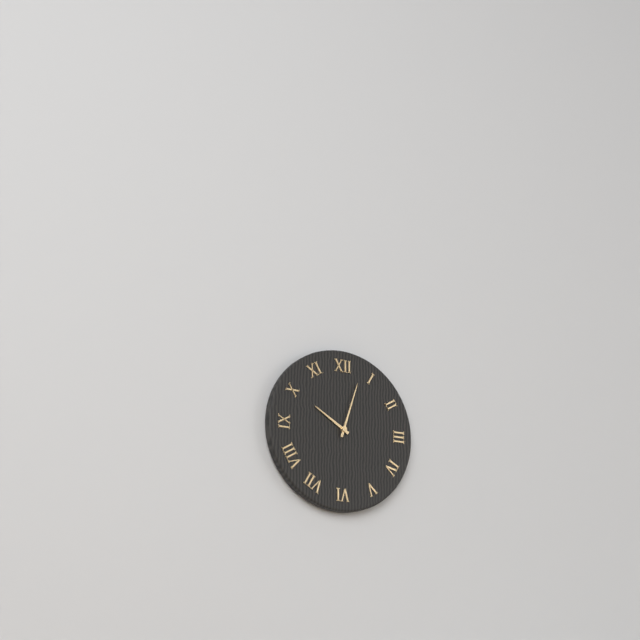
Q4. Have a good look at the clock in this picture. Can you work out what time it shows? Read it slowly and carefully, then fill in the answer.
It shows 10:03
